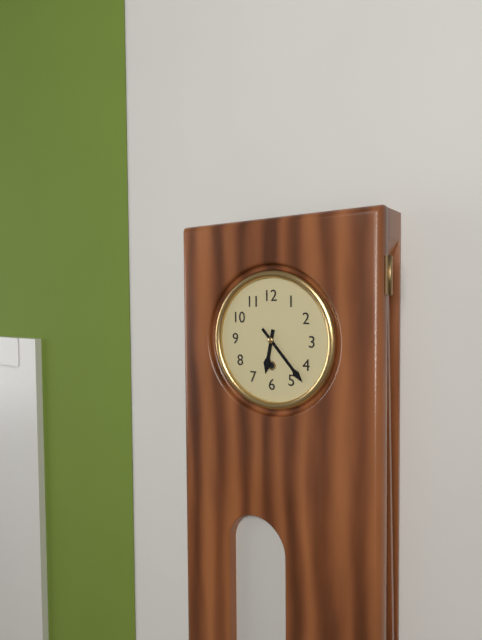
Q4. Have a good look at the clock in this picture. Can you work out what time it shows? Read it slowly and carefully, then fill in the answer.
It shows 6:23
